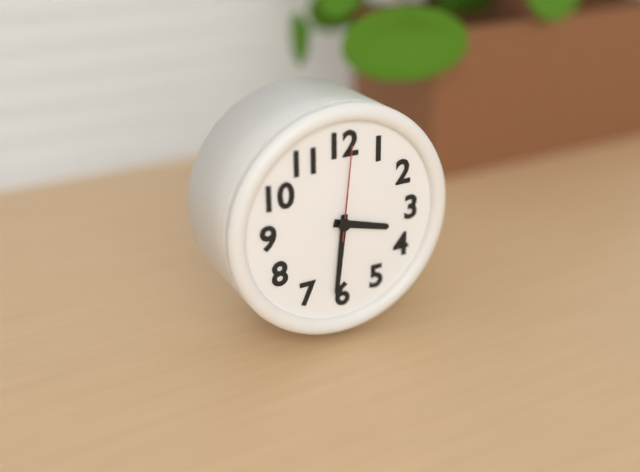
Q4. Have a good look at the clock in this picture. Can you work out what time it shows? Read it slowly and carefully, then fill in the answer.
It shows 3:31:01
